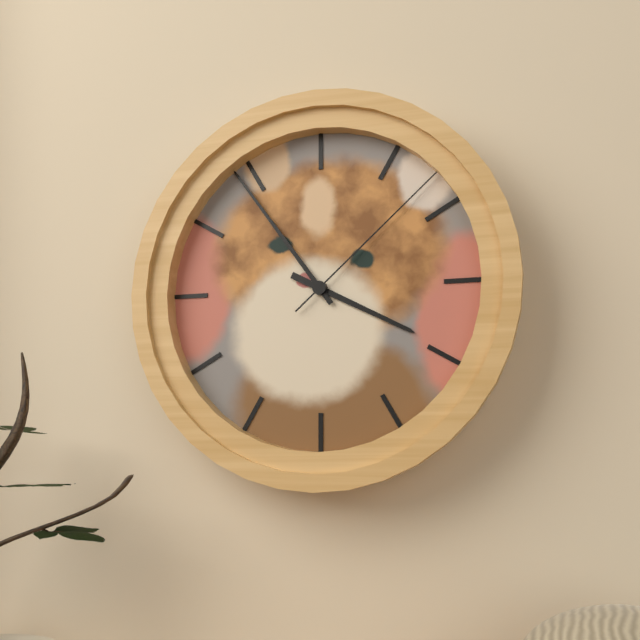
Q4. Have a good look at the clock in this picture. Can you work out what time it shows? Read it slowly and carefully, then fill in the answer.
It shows 3:54:08
